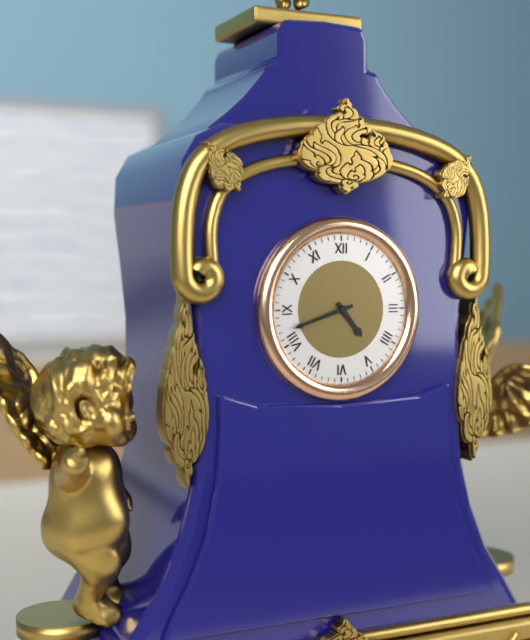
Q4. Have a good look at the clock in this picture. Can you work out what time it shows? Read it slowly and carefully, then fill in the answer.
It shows 4:42
